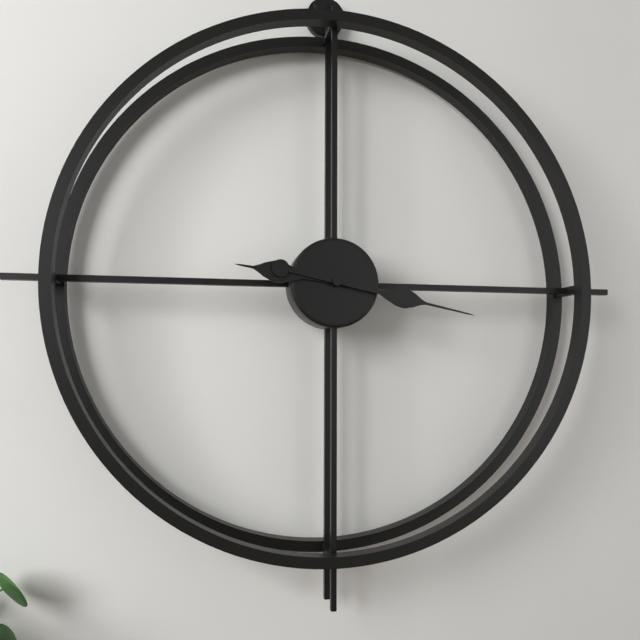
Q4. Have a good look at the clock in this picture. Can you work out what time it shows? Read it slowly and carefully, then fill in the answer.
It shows 9:17
